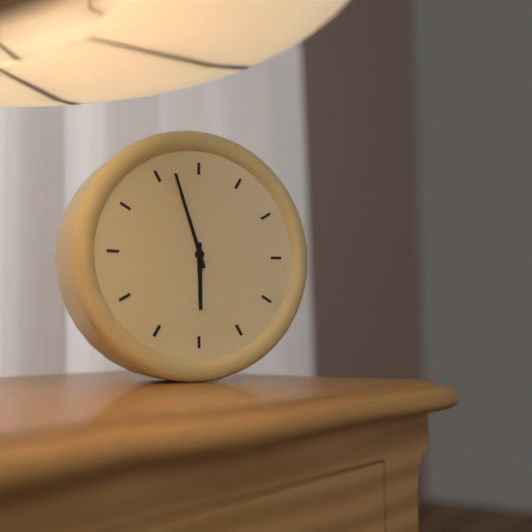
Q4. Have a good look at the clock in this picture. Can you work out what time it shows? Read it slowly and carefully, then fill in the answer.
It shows 5:57
